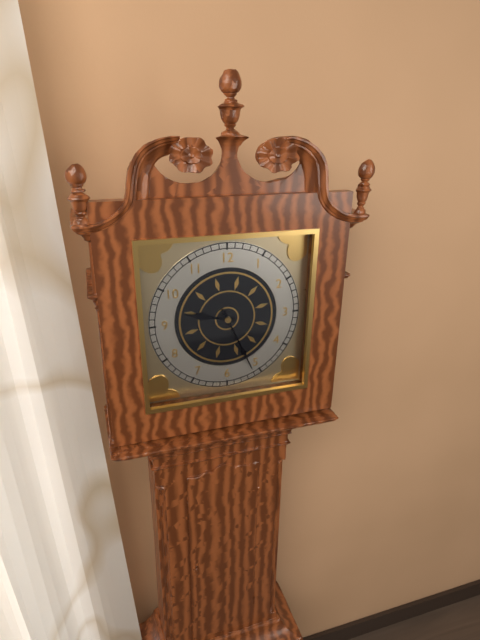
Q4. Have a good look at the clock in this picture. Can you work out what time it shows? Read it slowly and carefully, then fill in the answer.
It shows 9:26
